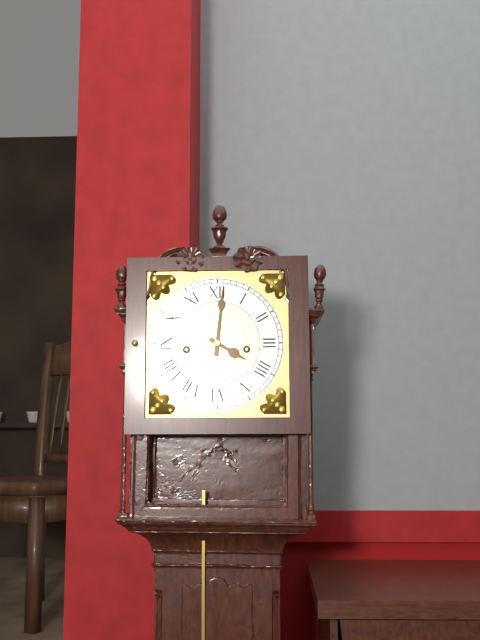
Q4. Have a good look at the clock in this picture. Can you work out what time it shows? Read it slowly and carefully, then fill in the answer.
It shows 4:01
